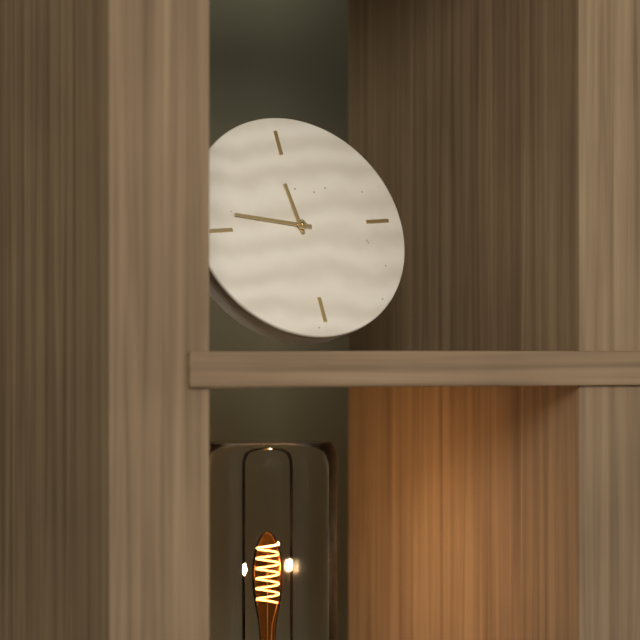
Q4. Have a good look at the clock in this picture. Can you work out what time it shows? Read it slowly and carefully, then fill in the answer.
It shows 11:47
